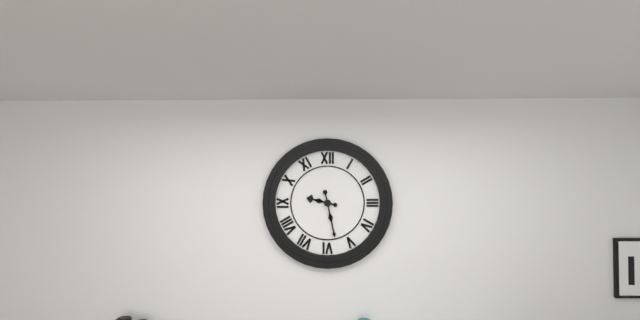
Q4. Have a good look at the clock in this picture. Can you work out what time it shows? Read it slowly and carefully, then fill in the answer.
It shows 9:28
